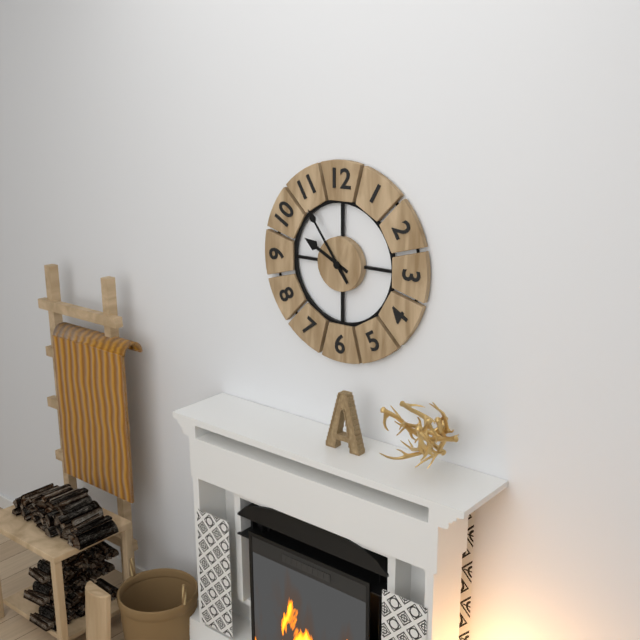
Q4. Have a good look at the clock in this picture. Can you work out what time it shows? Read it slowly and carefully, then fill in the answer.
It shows 9:54
